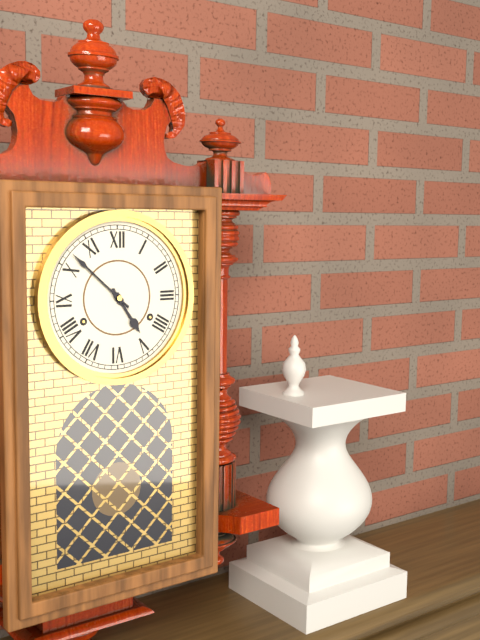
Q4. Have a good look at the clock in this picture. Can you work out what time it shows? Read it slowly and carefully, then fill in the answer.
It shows 4:52
